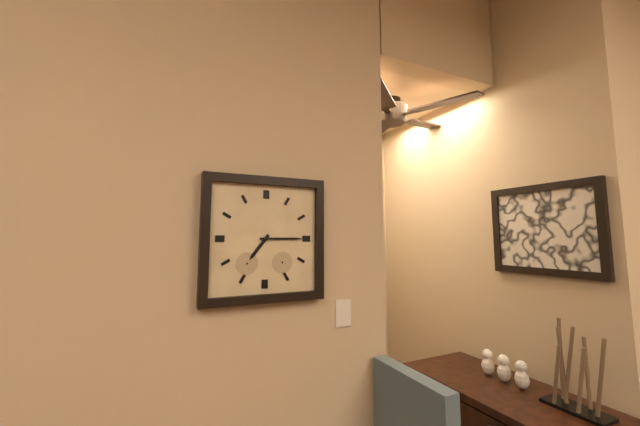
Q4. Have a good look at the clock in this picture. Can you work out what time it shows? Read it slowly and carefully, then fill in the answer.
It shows 7:15
